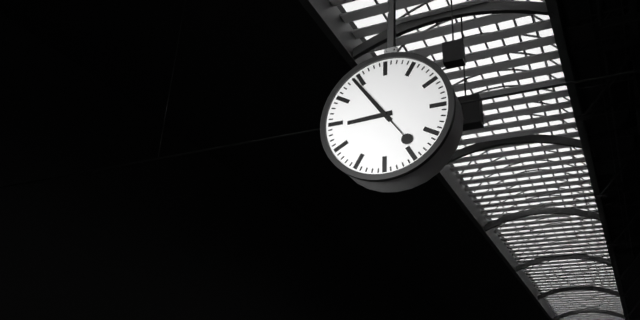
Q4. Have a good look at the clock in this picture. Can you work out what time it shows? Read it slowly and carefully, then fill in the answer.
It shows 8:54
